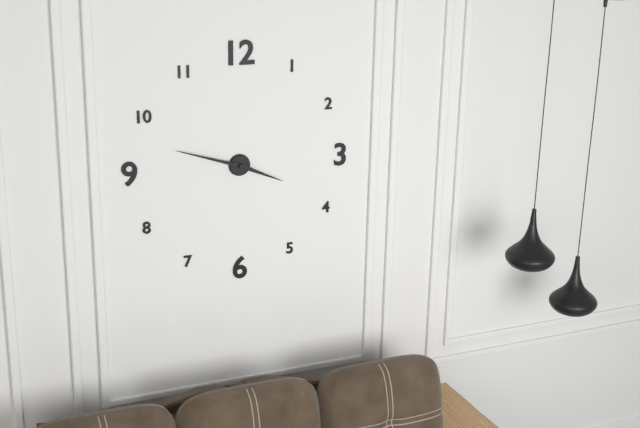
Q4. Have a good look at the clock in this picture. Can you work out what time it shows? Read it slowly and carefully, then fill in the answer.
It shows 3:48
